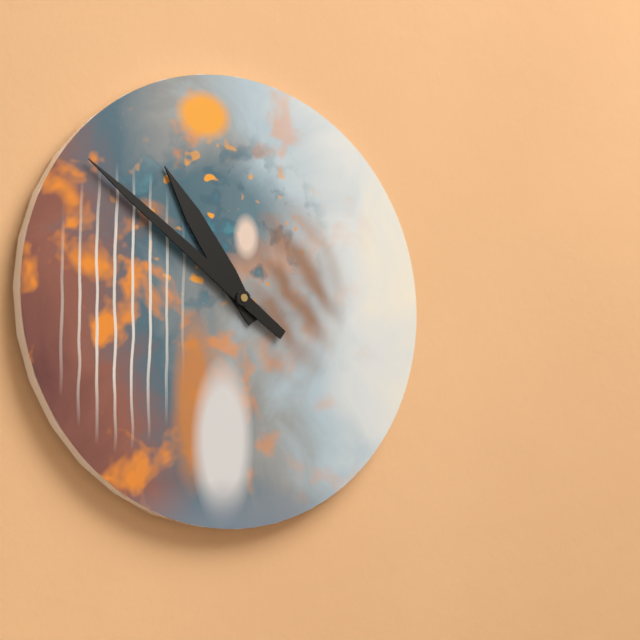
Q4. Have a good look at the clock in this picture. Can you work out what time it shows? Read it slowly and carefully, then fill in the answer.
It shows 10:51
